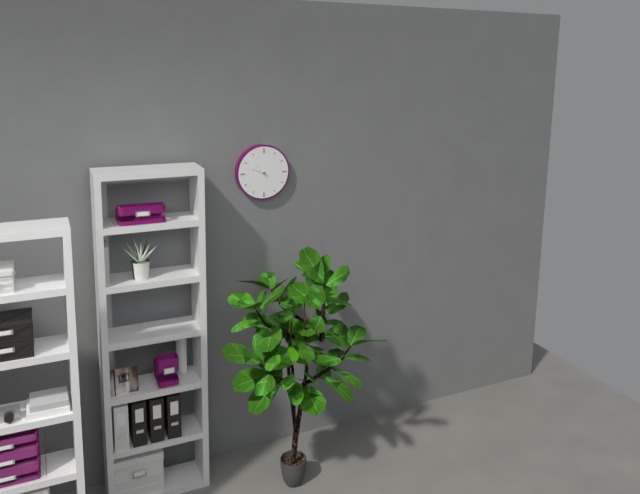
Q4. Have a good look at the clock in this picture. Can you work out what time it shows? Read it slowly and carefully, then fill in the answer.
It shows 9:53
